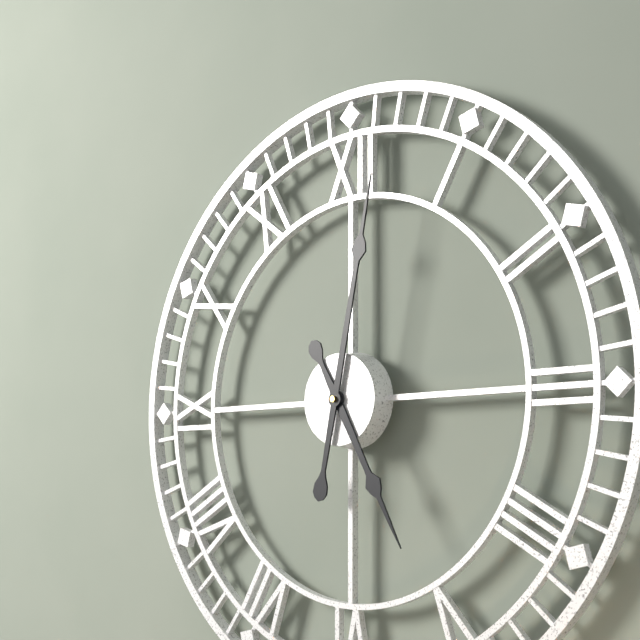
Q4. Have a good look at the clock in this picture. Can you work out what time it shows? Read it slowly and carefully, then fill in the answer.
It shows 5:02
